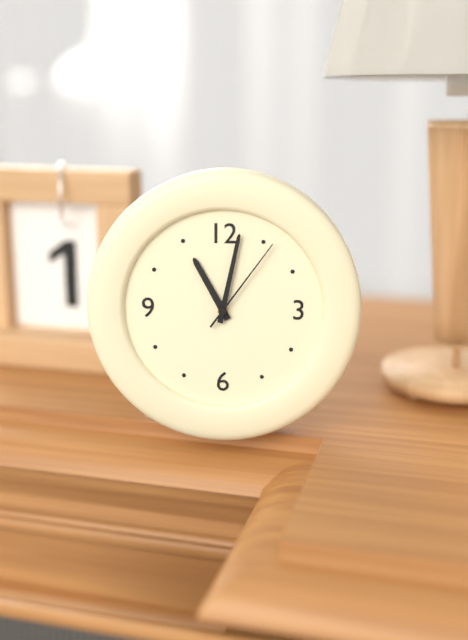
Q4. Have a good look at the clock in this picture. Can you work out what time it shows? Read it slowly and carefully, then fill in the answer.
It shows 11:02:06
